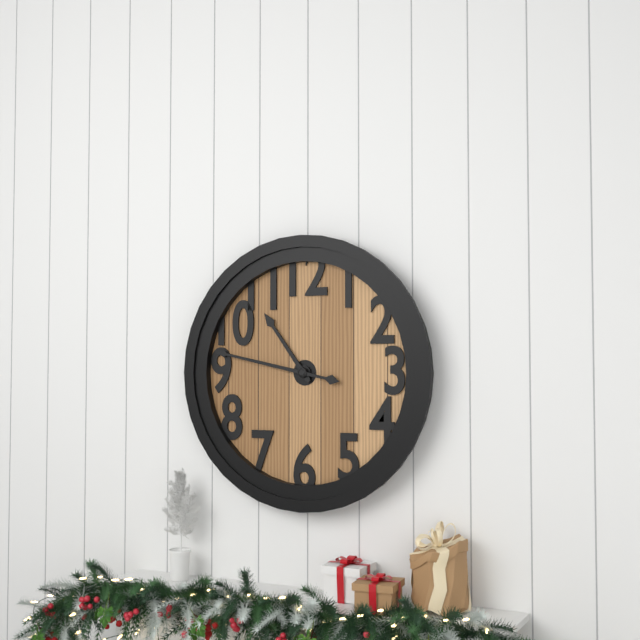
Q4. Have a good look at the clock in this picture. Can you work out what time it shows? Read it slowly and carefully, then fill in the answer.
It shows 10:47
